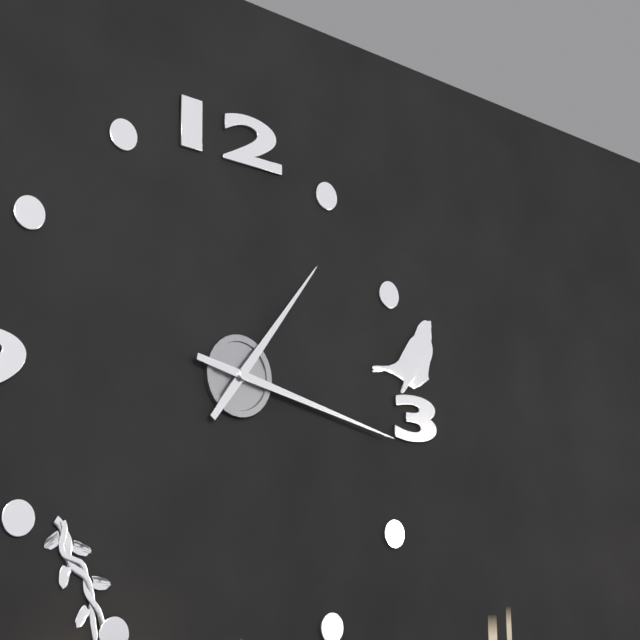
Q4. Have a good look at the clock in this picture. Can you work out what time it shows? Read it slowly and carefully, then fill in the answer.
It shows 1:17
